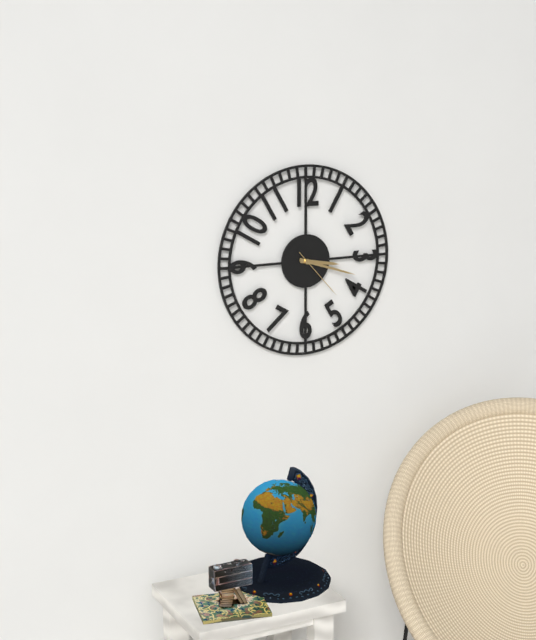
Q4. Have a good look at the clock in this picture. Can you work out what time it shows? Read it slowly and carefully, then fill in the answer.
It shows 3:18:23
